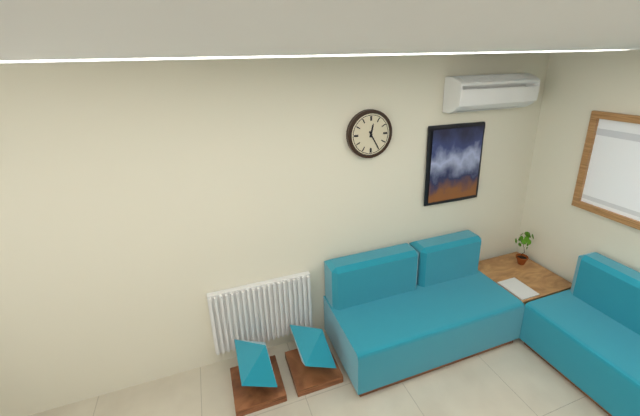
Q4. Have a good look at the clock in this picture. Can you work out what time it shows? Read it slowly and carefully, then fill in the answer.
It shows 12:25
